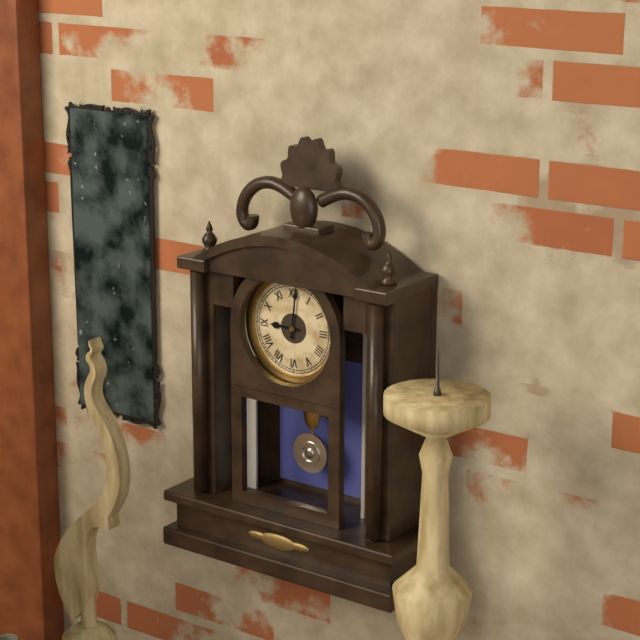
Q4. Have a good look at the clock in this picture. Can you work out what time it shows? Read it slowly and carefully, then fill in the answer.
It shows 9:01
